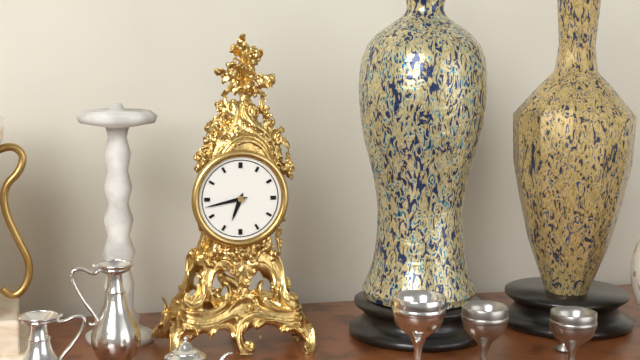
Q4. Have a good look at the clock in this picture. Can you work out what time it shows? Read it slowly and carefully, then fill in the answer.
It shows 6:43
